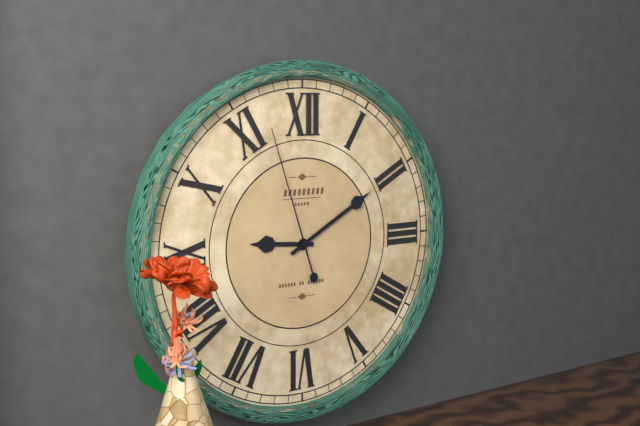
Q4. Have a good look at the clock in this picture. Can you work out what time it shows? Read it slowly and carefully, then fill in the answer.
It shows 9:10:57
